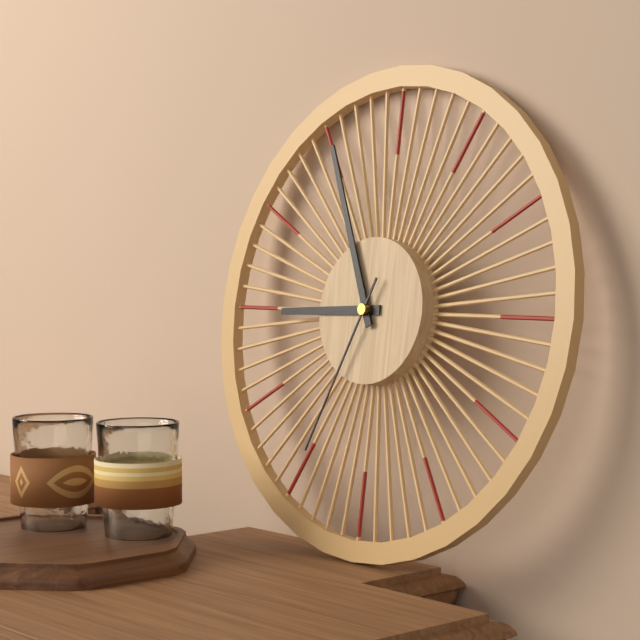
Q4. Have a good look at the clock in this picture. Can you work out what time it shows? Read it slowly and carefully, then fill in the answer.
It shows 8:56:34
